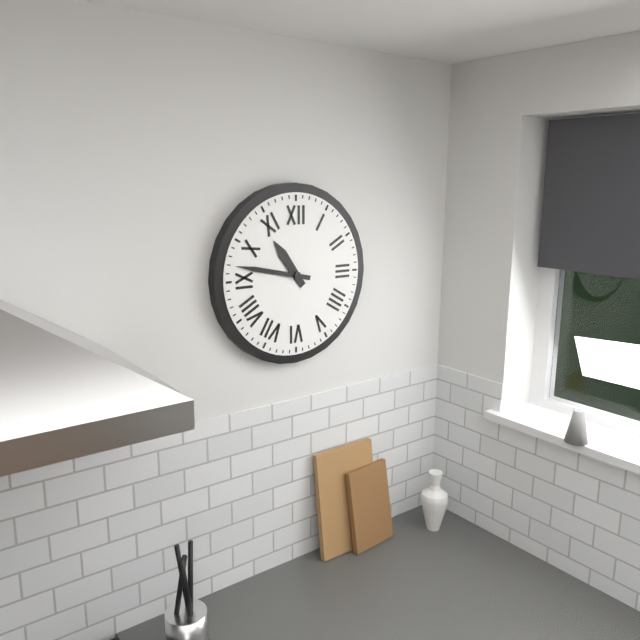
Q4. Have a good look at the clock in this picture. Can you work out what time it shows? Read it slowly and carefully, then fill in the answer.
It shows 10:47
